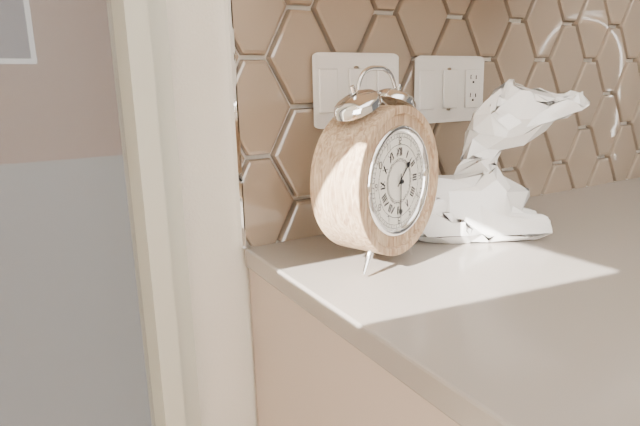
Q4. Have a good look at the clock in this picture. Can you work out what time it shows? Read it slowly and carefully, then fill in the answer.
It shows 1:30
